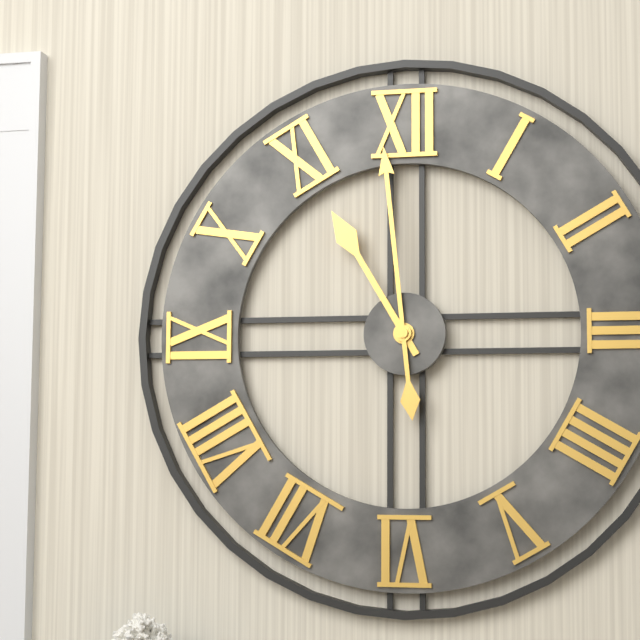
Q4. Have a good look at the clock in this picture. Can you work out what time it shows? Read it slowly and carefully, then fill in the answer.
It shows 10:59
